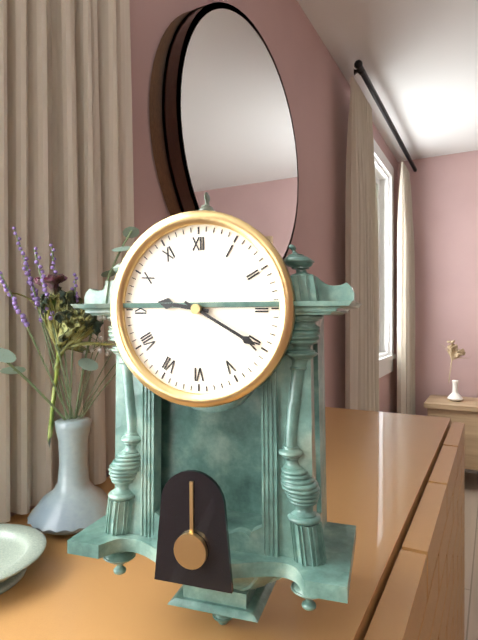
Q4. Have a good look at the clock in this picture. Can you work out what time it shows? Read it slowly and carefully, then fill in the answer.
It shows 9:20
